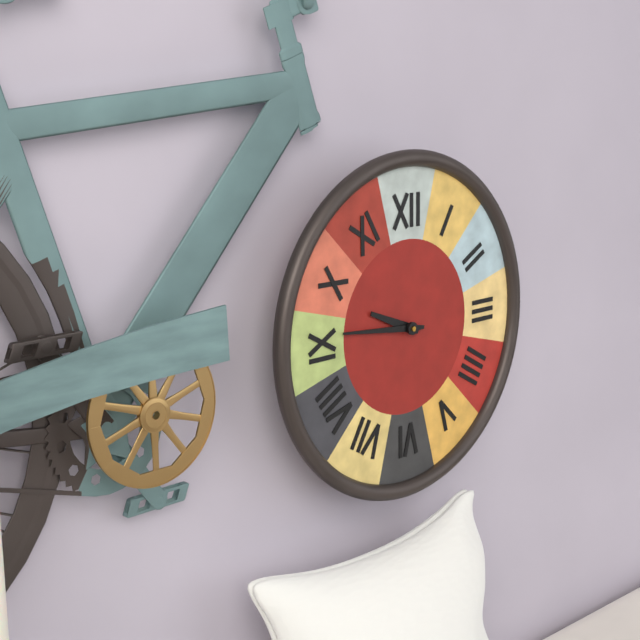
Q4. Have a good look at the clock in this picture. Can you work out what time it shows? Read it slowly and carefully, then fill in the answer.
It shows 9:46
